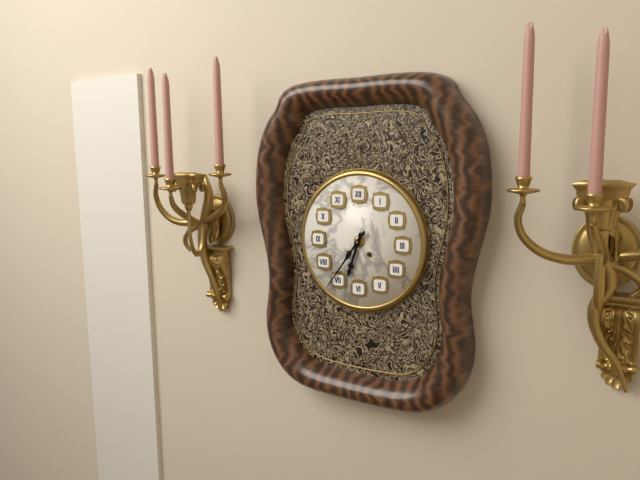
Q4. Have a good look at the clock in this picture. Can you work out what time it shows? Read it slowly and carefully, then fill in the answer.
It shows 6:36
